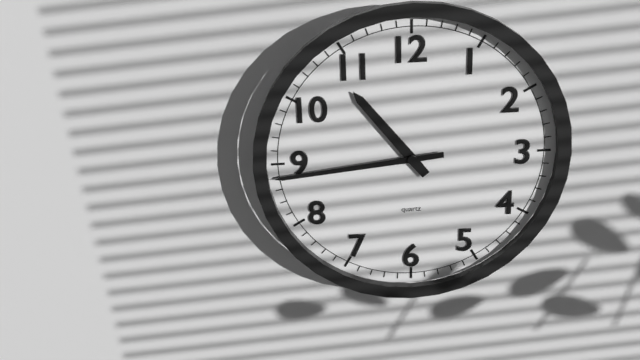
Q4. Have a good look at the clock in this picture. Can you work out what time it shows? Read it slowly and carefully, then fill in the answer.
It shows 10:44
